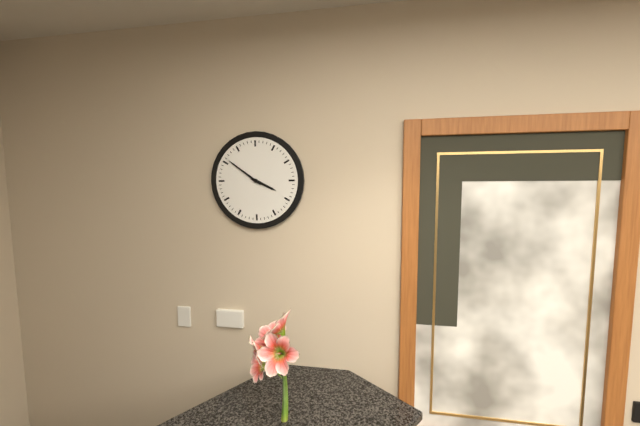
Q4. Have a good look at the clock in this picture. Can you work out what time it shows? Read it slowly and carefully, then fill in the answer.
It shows 3:51
